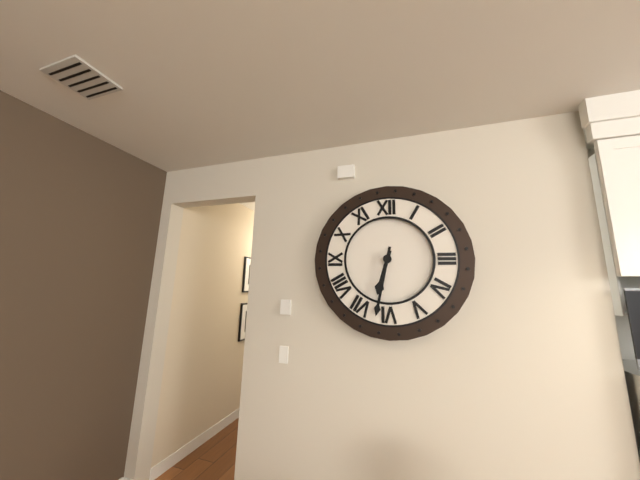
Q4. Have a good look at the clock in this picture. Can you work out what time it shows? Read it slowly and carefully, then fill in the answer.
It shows 6:32
